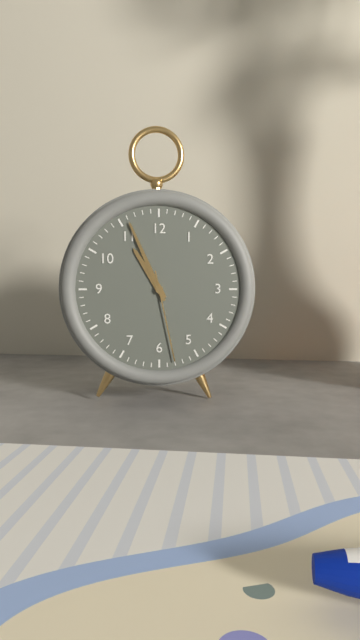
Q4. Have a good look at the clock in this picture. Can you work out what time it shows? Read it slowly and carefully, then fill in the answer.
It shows 10:56:28
